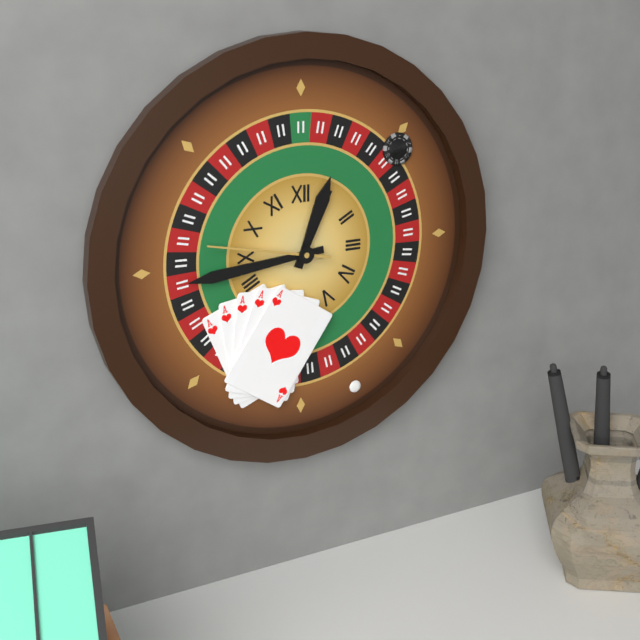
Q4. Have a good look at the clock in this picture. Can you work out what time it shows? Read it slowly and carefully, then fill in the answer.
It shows 12:44:47
